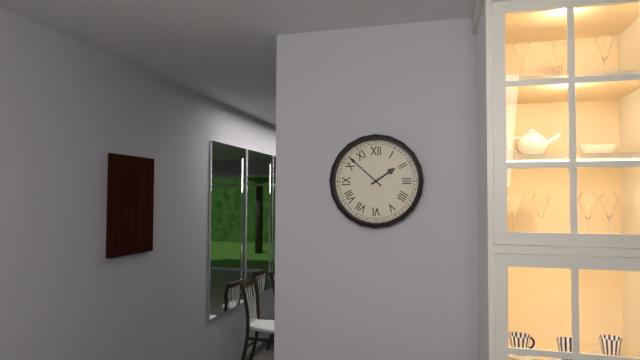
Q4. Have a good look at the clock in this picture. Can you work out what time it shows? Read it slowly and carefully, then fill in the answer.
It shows 1:52
